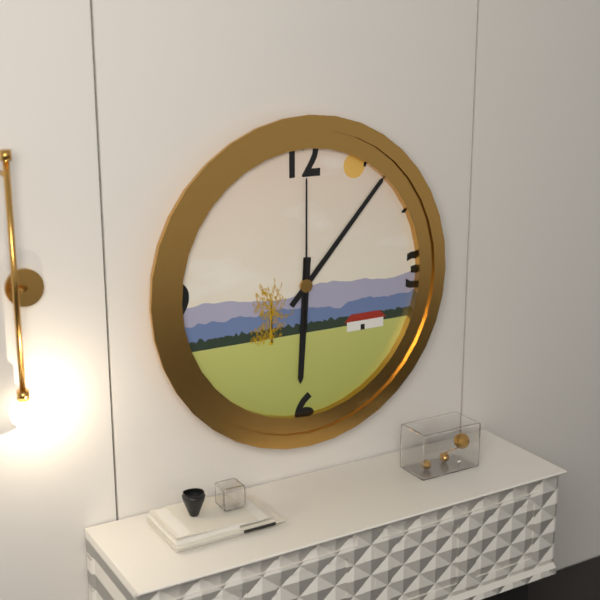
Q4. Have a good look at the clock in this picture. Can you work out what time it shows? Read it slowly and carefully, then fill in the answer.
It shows 6:07:00
